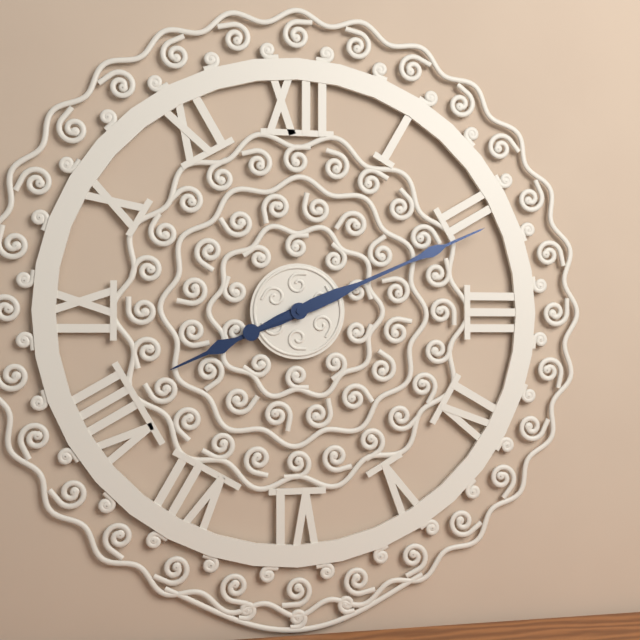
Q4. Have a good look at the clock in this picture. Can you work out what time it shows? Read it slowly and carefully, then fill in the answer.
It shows 8:11
